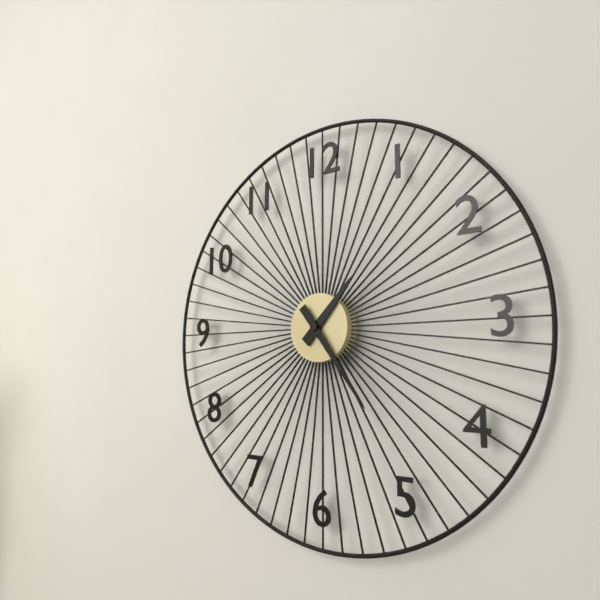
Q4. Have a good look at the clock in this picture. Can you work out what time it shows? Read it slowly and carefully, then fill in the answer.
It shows 1:24
